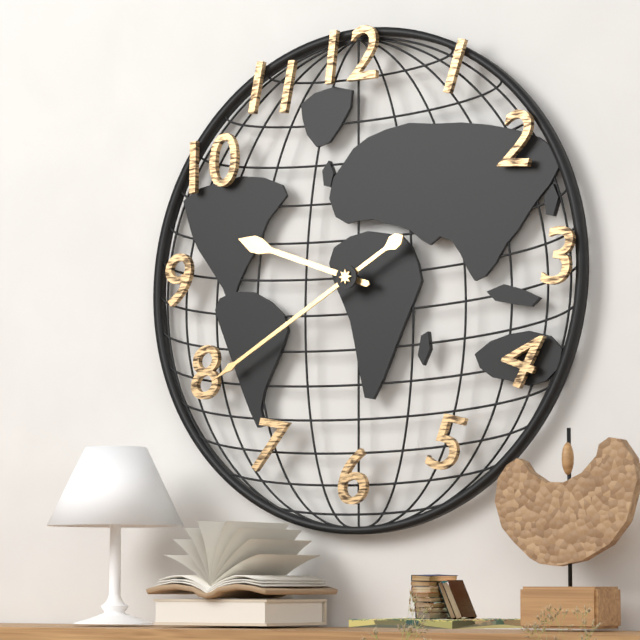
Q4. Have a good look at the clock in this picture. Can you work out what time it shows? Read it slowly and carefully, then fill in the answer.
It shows 9:40
